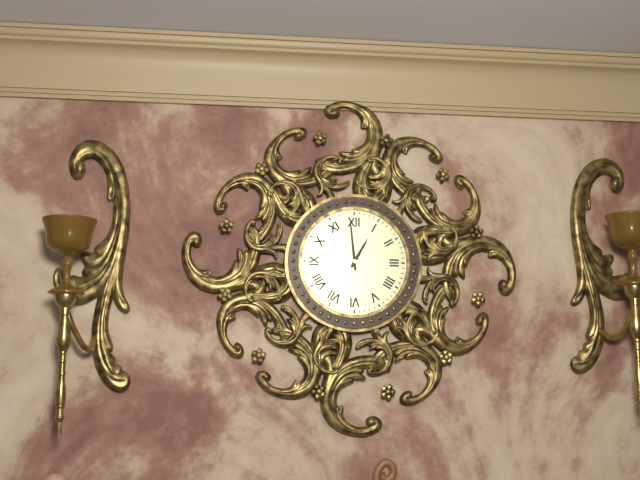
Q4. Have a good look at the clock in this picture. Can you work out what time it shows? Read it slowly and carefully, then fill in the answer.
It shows 12:59
